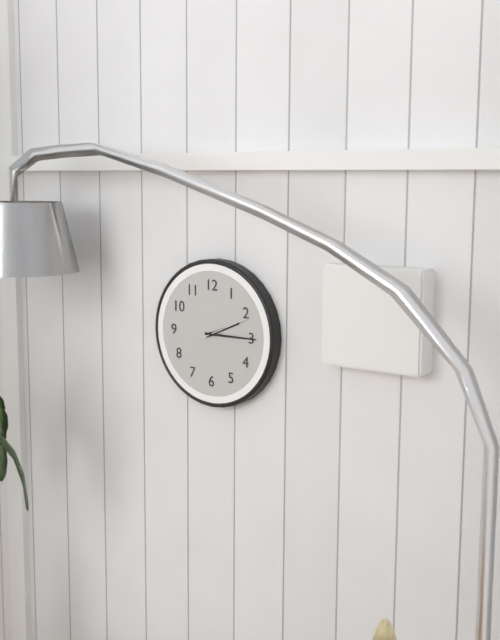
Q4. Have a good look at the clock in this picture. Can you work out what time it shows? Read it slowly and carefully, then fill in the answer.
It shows 2:15:11
